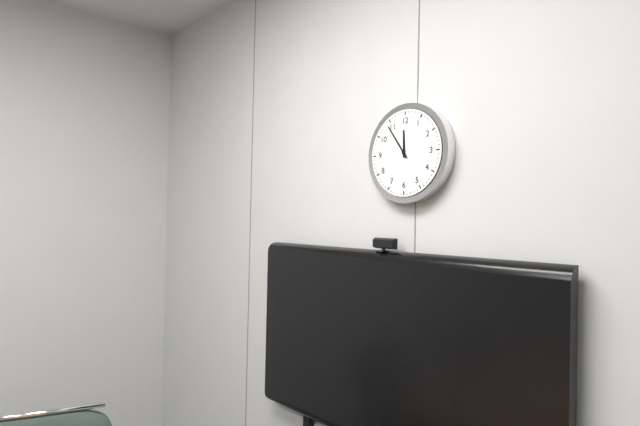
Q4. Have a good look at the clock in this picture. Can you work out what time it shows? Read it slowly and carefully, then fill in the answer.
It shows 11:54
